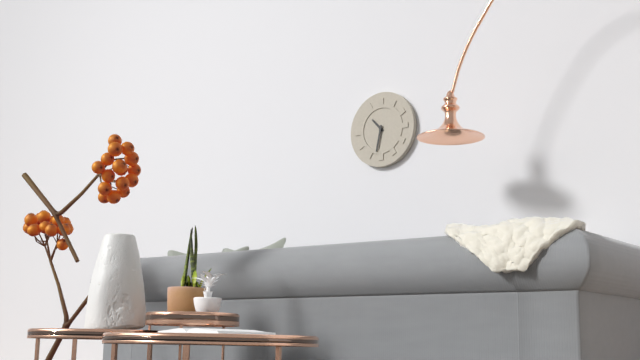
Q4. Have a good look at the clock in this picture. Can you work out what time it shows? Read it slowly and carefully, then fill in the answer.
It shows 10:32
